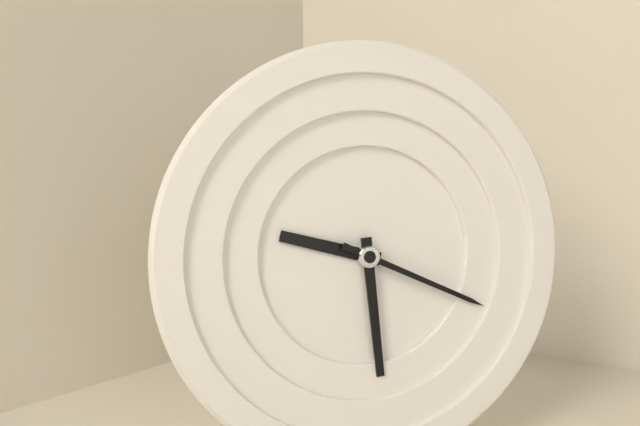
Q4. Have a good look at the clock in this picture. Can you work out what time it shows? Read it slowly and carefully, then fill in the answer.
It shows 9:29:19
